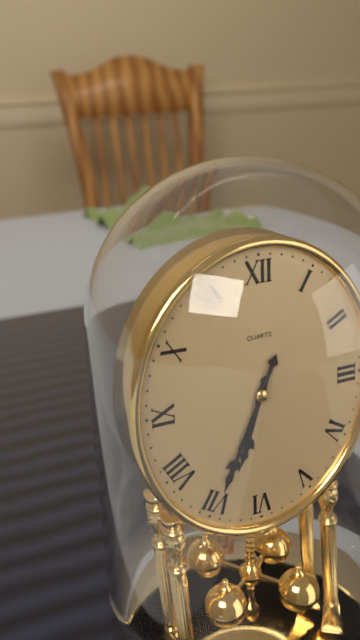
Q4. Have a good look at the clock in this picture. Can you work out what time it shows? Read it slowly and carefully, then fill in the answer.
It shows 6:34
